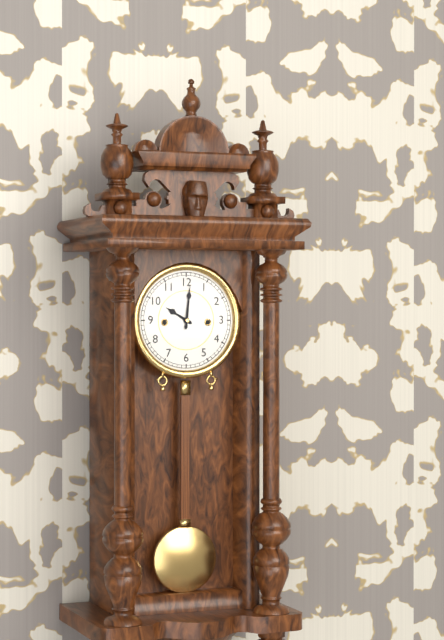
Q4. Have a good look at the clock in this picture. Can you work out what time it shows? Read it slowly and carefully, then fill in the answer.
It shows 10:01
